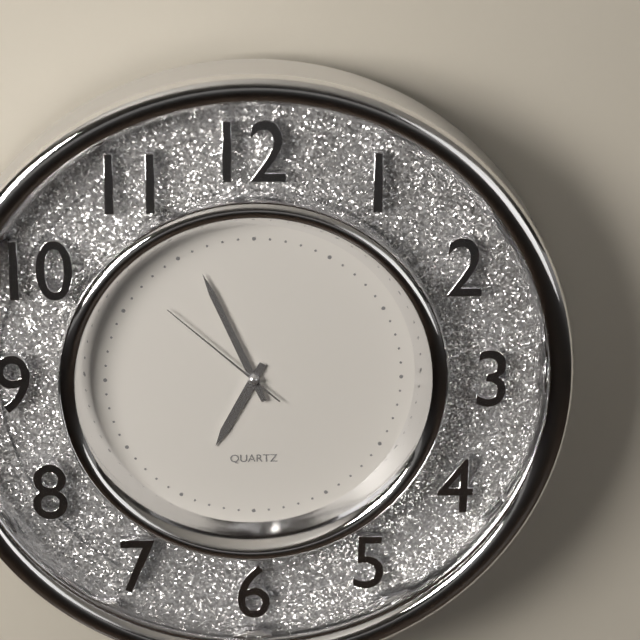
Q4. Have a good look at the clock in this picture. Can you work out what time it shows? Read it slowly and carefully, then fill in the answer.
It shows 6:56:52
